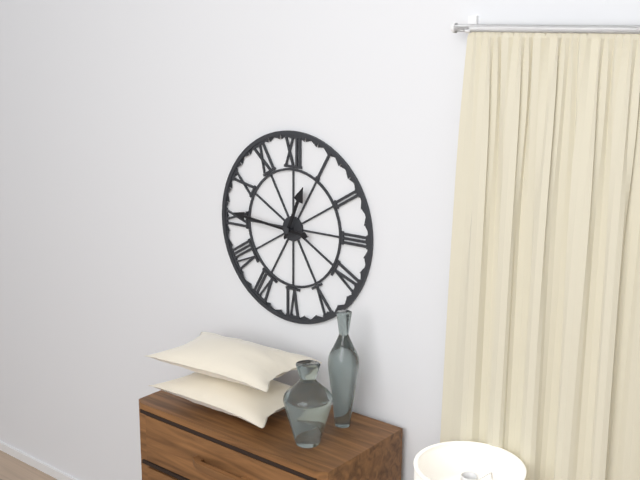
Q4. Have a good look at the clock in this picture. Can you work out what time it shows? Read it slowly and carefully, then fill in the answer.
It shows 12:46
